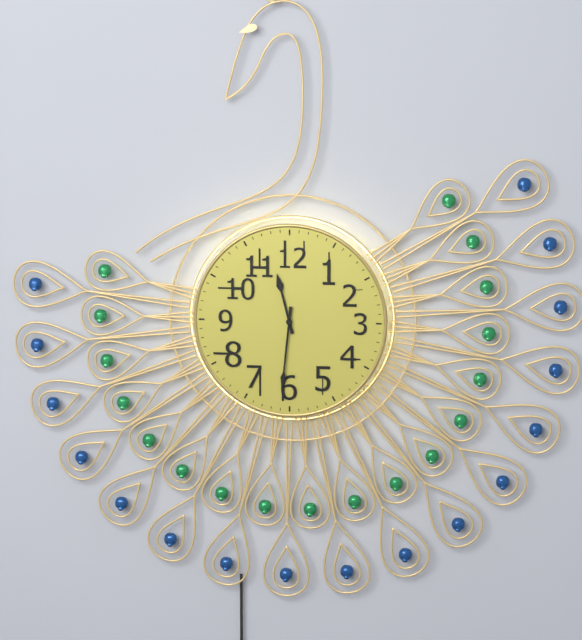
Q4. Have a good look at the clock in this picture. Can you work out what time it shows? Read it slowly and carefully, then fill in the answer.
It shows 11:31
